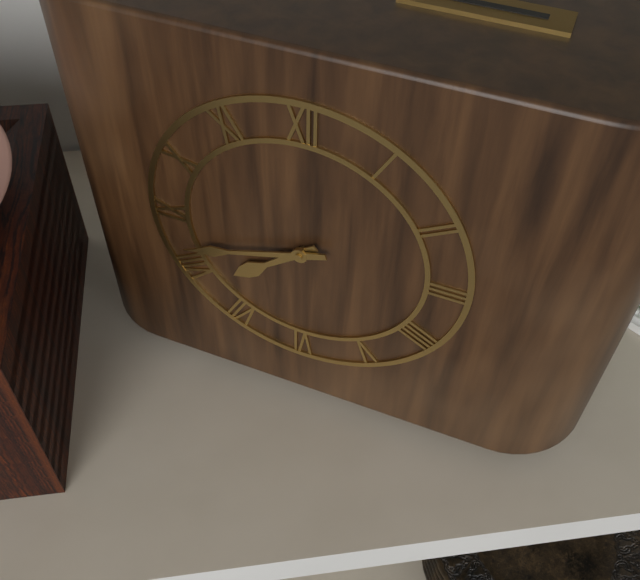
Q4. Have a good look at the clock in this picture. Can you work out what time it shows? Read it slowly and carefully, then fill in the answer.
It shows 7:42
